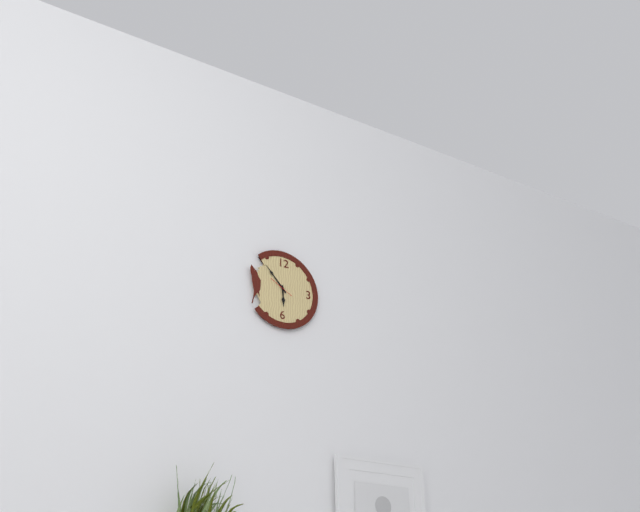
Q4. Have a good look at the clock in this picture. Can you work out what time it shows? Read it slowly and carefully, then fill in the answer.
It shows 5:53
